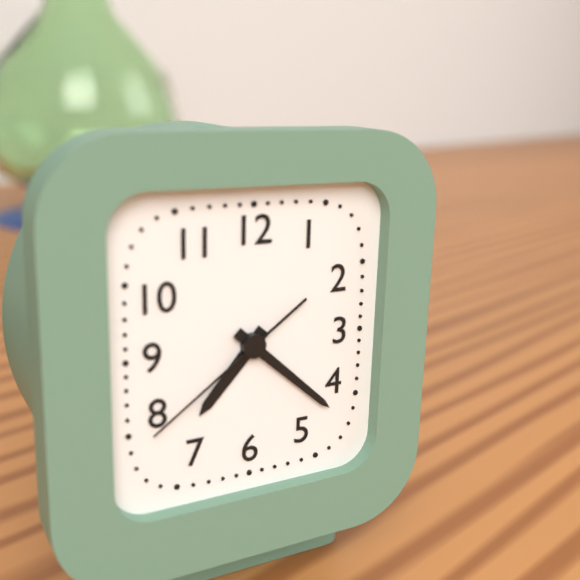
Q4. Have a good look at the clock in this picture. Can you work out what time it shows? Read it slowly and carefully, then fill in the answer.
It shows 7:22:39
